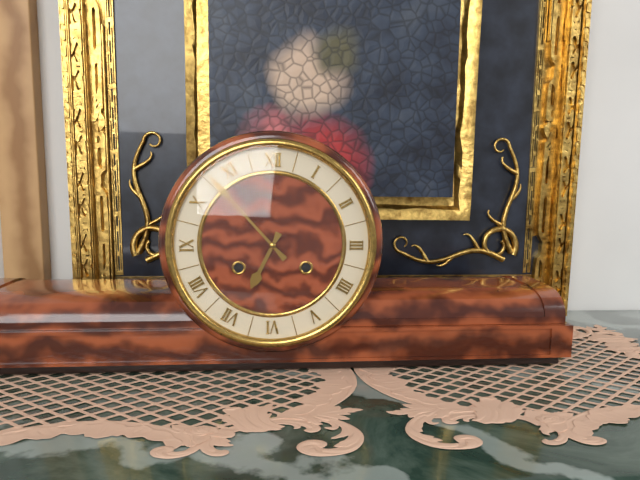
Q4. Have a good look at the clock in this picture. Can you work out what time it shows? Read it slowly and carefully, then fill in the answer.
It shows 6:53
